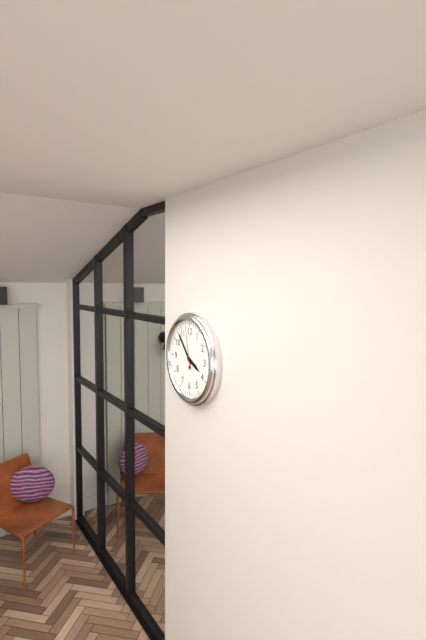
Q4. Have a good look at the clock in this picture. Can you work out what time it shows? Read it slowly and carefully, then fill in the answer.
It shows 3:53
